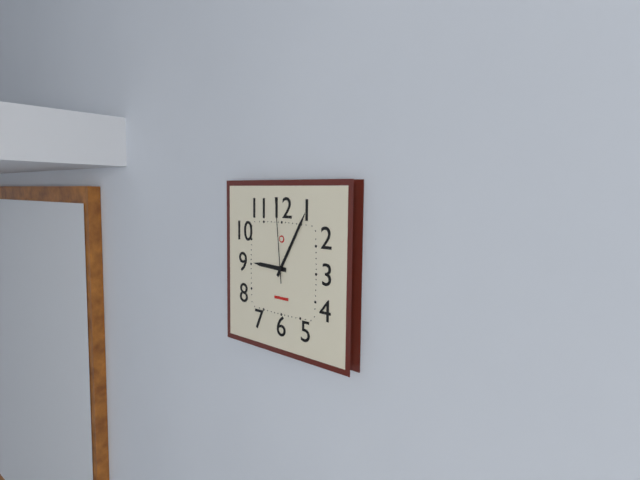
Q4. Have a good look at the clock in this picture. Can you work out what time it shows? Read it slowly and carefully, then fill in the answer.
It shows 9:05:59
